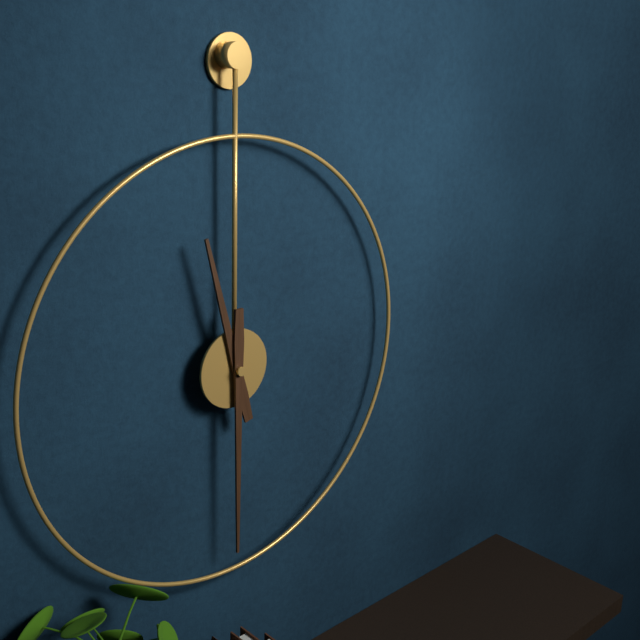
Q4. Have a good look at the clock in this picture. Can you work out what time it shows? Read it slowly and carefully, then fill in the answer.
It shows 11:30
